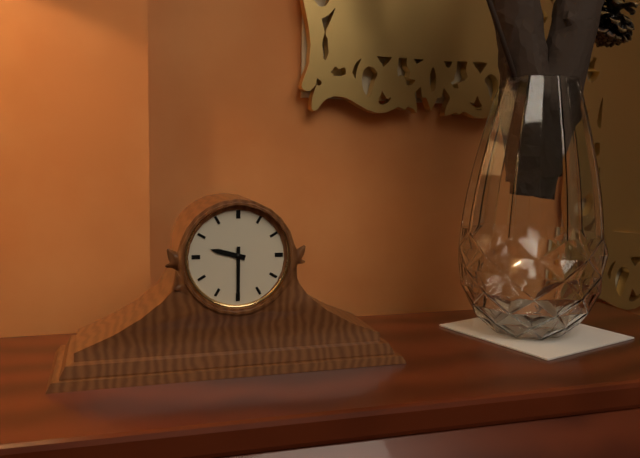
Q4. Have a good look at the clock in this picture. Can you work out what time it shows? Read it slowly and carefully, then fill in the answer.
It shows 9:30
